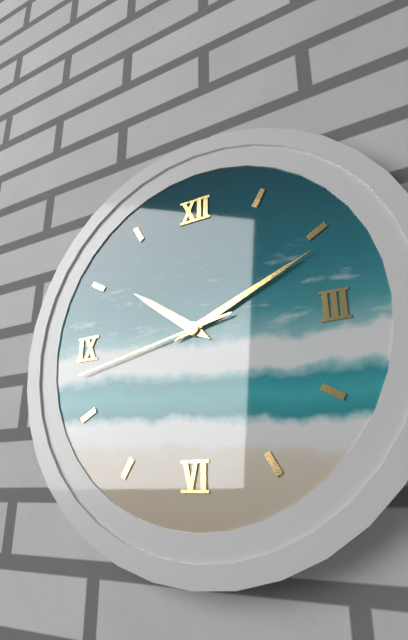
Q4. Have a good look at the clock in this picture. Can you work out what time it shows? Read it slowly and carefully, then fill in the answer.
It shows 10:11:43
